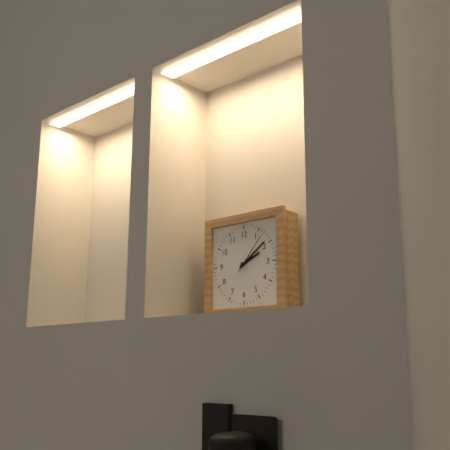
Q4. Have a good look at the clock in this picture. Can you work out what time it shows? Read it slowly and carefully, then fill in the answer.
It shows 2:09
